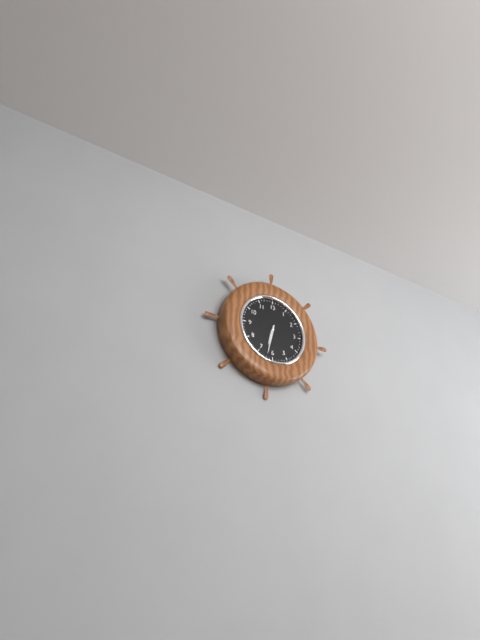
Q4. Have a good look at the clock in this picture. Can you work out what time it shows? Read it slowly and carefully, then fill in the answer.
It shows 6:32
